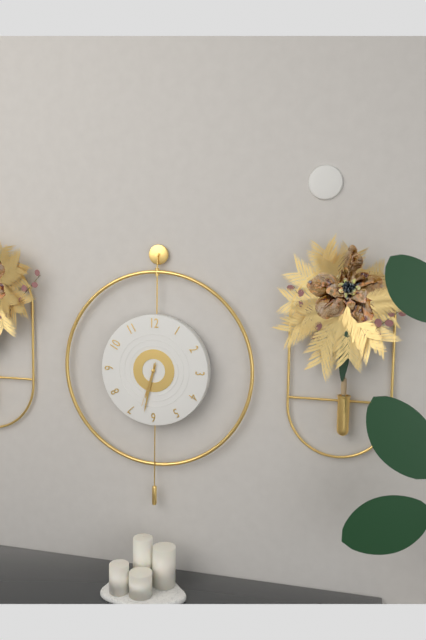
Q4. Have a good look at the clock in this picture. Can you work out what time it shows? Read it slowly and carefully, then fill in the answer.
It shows 6:32
